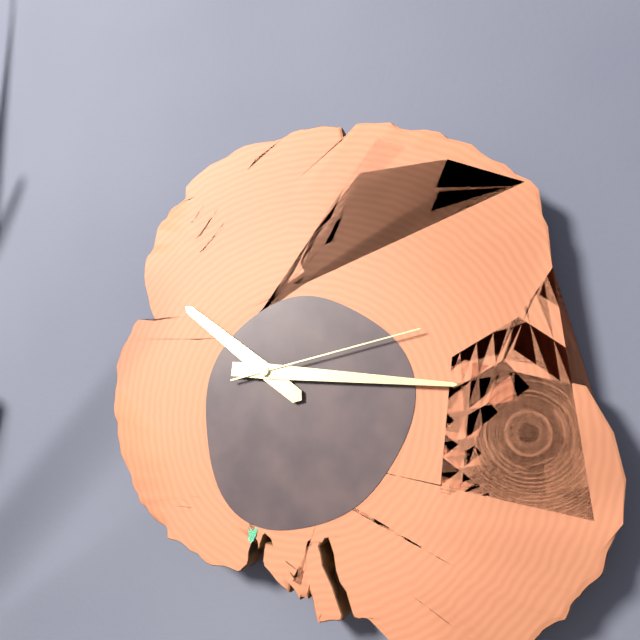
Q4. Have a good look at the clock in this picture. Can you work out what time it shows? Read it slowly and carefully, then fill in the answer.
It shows 10:16:13
